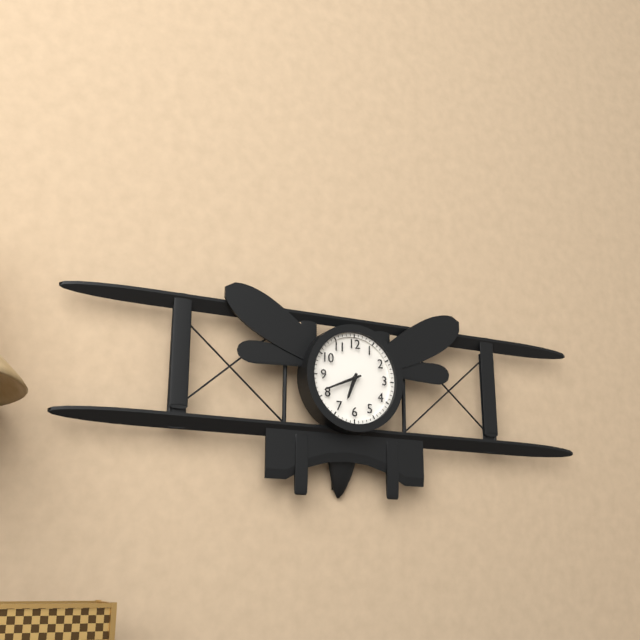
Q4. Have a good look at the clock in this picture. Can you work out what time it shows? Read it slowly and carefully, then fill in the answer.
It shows 6:41
